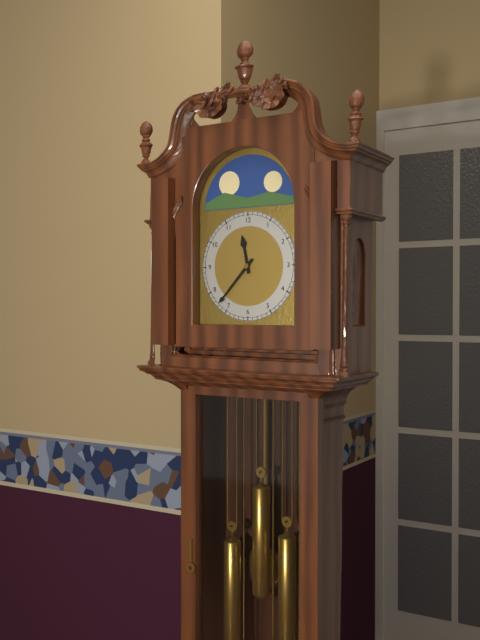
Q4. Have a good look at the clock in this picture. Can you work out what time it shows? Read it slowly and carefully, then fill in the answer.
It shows 11:37
